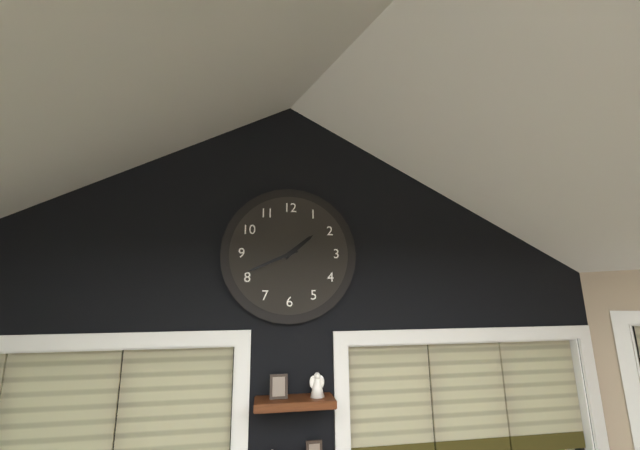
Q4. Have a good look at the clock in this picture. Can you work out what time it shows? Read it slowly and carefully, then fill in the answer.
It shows 1:41
